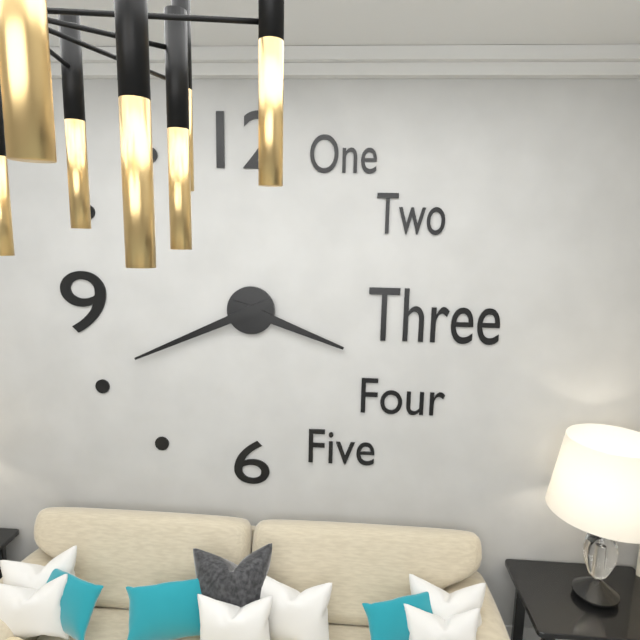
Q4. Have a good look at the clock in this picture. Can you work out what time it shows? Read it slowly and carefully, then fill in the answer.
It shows 3:41
